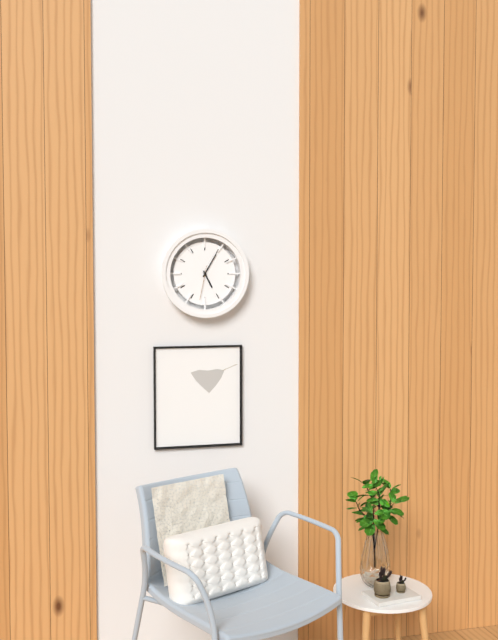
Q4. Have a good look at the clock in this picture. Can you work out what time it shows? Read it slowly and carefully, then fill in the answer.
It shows 5:05
